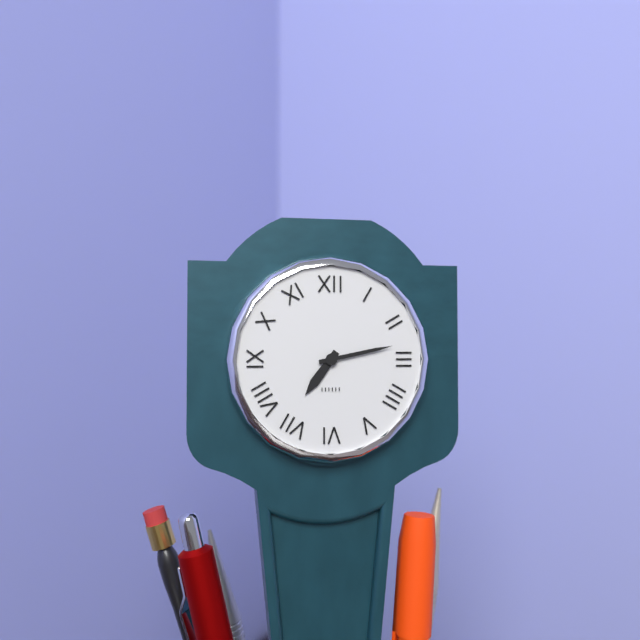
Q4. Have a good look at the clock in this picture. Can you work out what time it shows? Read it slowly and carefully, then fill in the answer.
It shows 7:13
